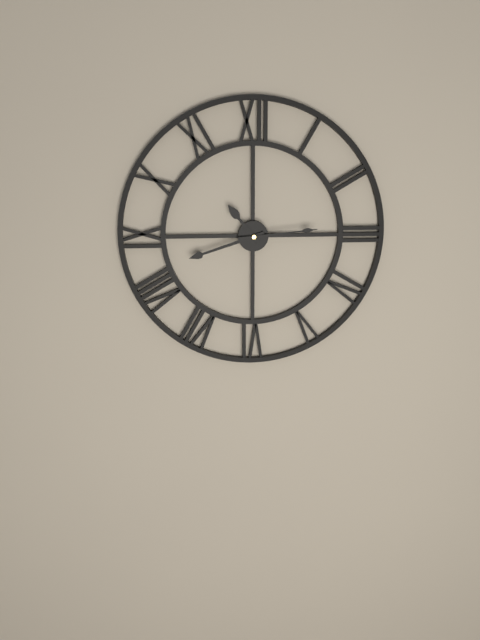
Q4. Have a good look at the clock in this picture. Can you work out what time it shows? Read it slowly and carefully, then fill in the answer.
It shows 10:42:14
